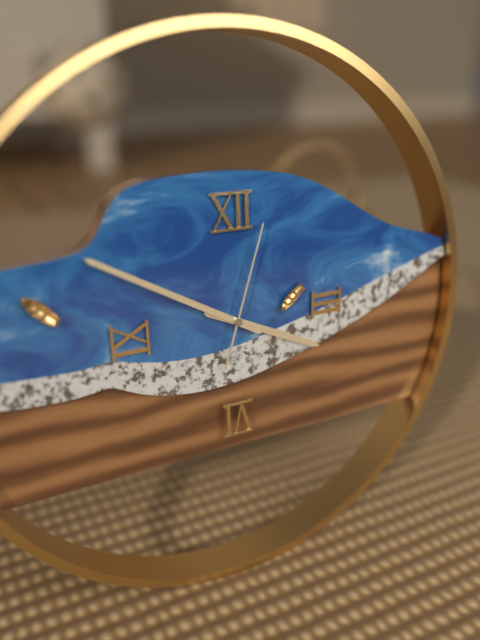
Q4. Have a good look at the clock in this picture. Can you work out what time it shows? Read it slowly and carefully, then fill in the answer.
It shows 3:50:03
